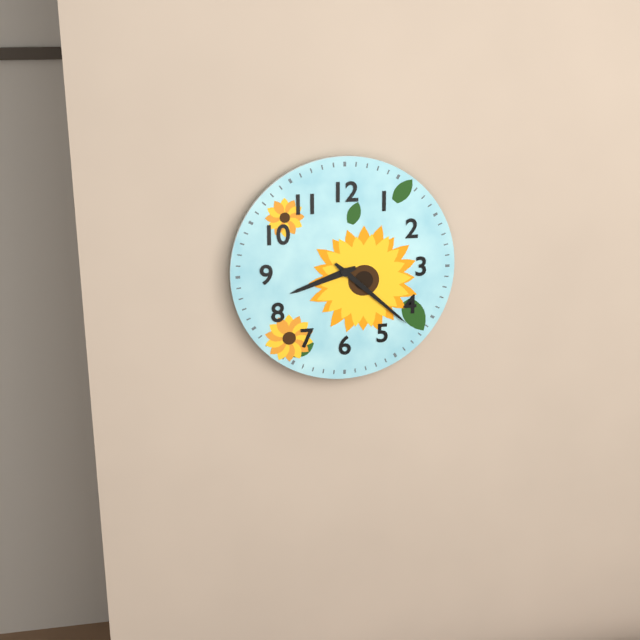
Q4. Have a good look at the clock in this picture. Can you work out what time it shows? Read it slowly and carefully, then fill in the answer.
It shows 8:22
